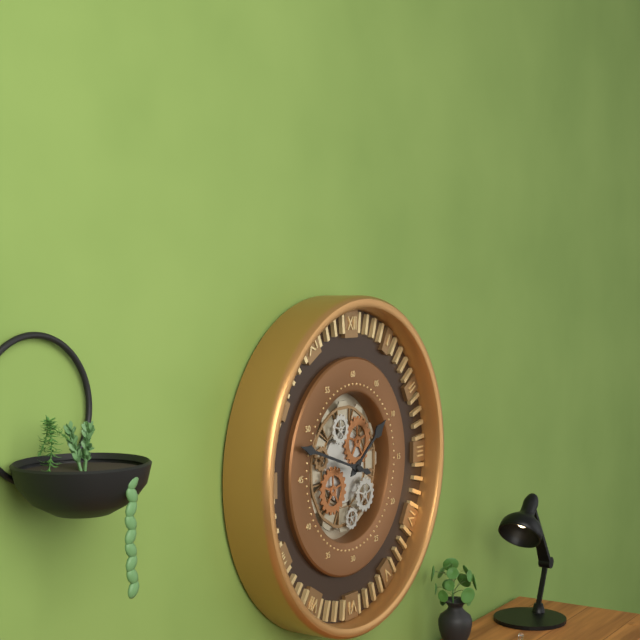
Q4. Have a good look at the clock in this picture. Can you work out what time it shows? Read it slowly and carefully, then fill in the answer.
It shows 1:48
